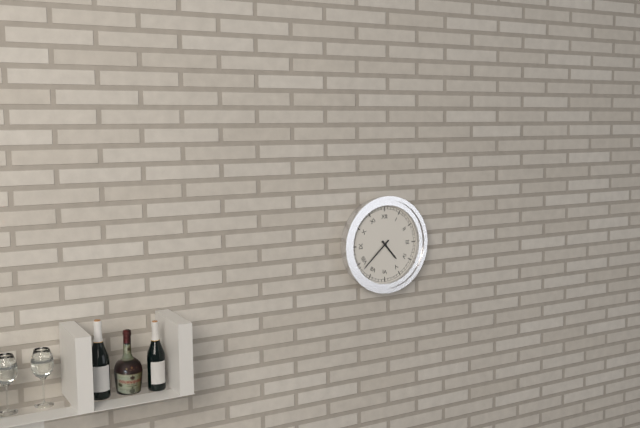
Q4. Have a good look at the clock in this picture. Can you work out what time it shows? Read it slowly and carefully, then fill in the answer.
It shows 4:38
